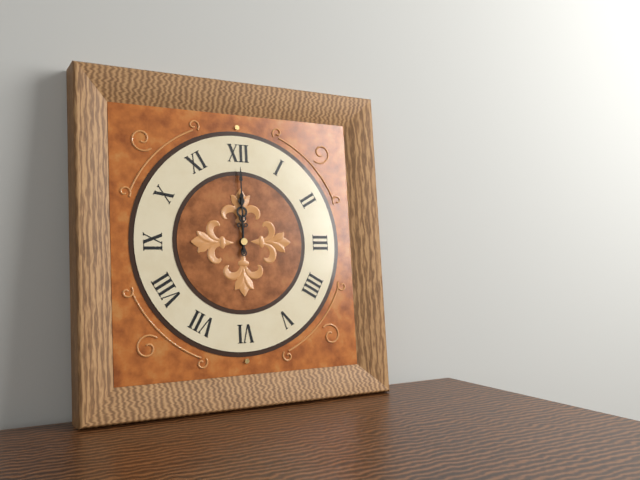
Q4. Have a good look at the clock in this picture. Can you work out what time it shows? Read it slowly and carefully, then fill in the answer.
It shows 12:00
